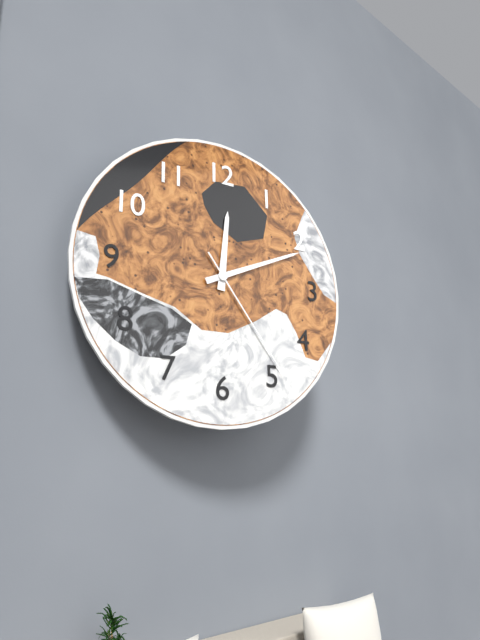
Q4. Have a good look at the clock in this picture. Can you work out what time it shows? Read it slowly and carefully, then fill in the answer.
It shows 12:11:24
